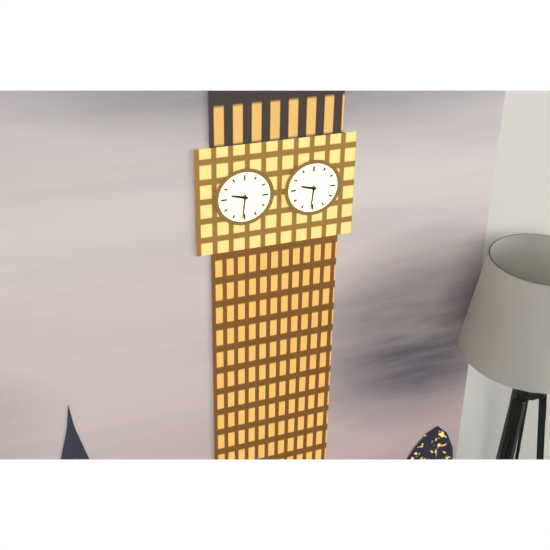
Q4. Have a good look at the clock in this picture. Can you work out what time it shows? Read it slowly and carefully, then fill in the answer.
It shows 9:31
